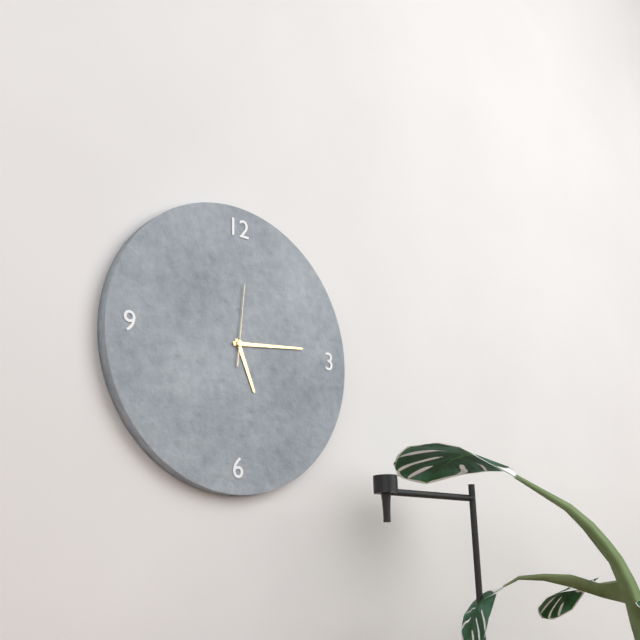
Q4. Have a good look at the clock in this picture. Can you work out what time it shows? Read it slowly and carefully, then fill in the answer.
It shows 5:14:01
